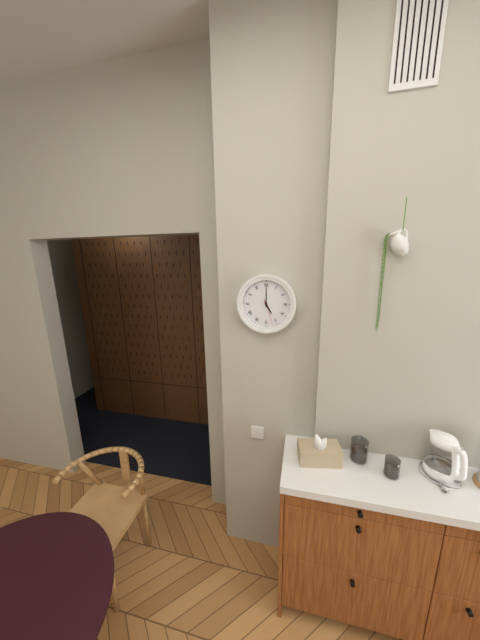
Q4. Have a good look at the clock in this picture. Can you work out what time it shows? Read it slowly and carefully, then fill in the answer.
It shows 5:00
